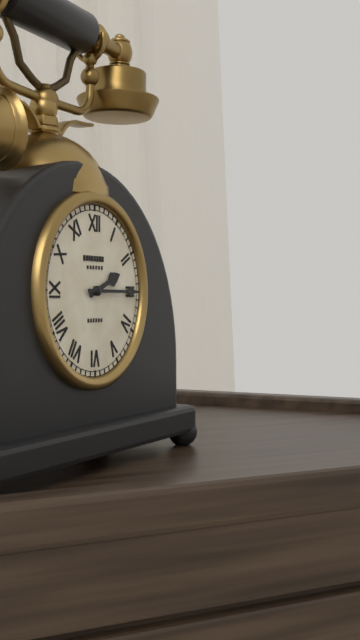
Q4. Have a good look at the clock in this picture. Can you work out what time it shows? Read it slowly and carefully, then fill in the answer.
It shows 2:15
